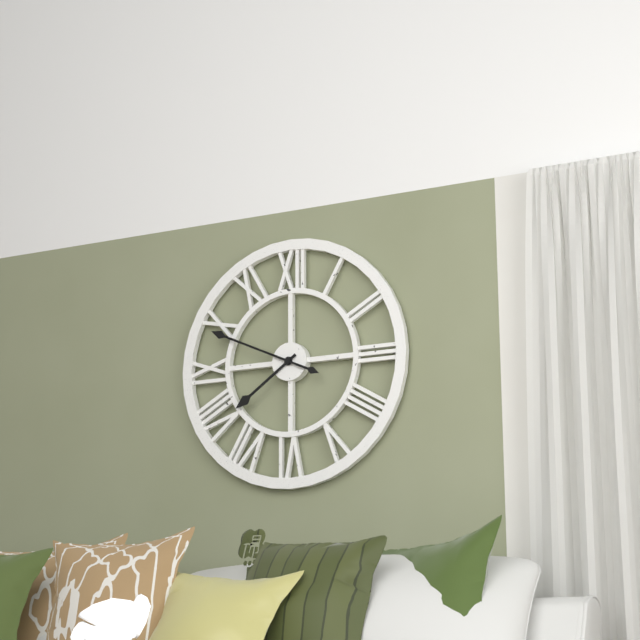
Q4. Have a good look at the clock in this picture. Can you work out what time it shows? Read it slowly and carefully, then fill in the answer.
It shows 7:49
